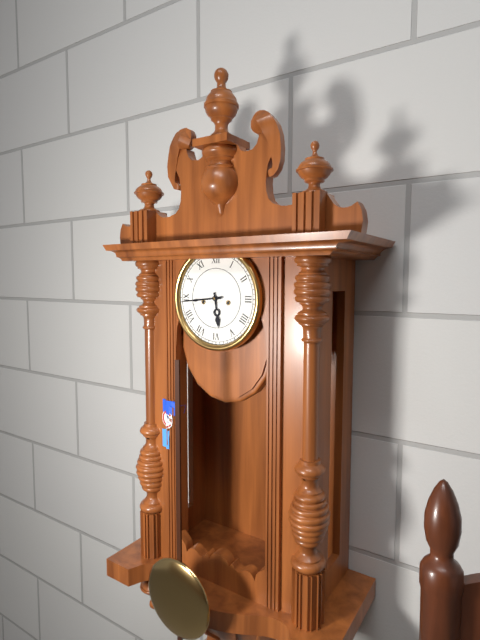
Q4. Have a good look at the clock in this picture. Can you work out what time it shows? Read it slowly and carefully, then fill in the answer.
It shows 5:44
